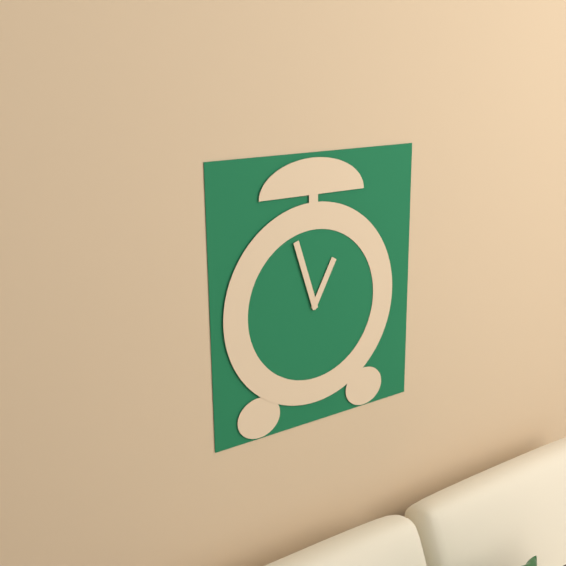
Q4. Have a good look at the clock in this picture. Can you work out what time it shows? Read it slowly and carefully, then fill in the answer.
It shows 12:57
